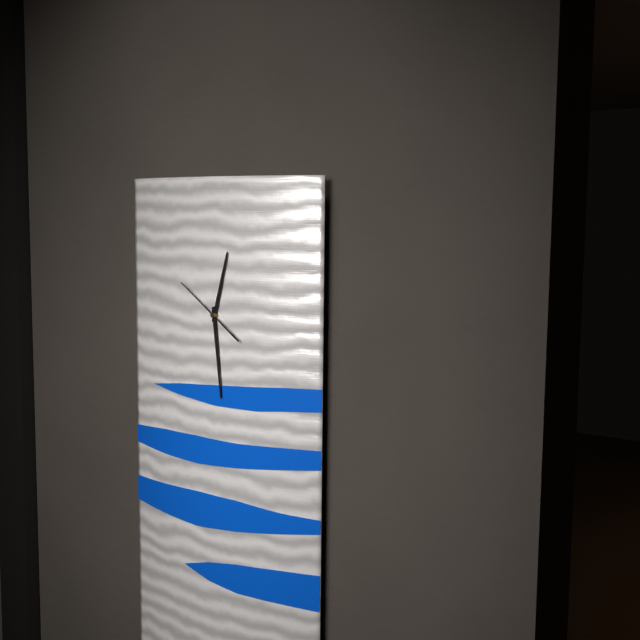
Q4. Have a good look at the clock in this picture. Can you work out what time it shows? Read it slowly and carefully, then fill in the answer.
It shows 12:29:51
